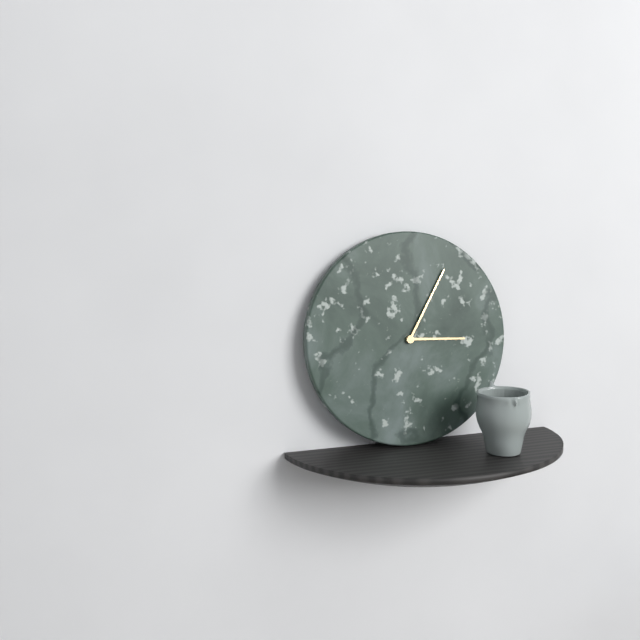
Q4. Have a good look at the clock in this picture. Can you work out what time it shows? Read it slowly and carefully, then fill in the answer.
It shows 3:05
